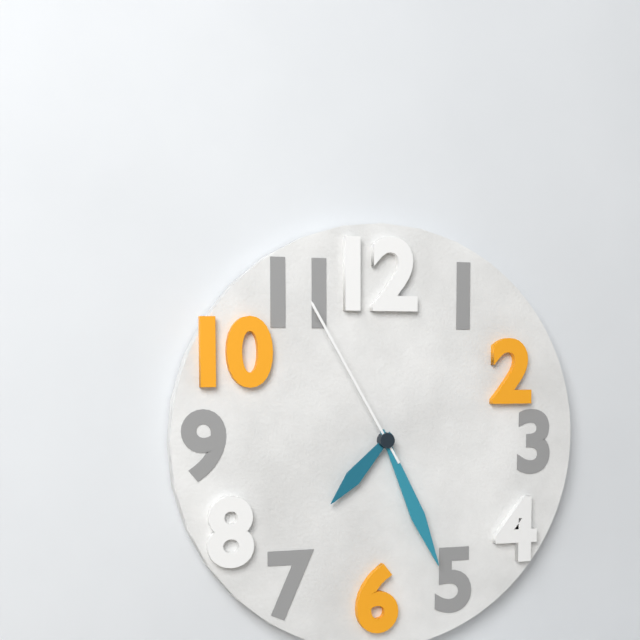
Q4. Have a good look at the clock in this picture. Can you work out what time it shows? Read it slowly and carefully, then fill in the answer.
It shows 7:26:55
